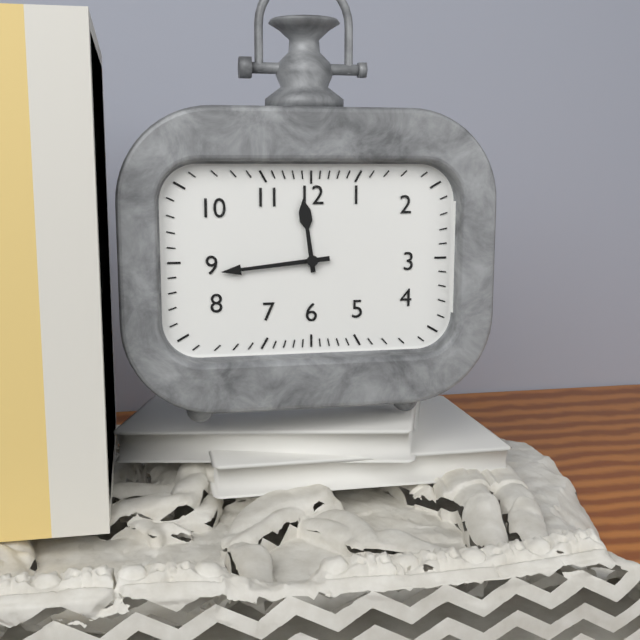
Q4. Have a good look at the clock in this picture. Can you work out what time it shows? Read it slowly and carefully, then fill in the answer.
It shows 11:44
